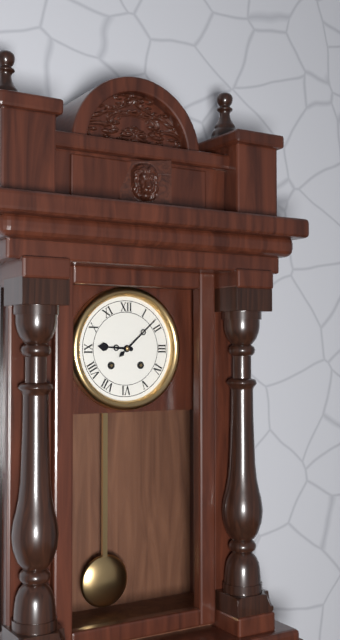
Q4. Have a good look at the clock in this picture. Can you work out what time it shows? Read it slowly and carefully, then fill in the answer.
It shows 9:08
